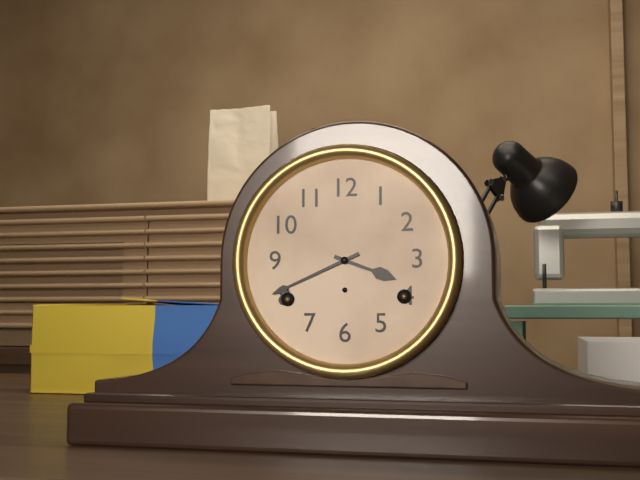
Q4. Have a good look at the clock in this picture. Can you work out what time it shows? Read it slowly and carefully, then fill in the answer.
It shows 3:41
